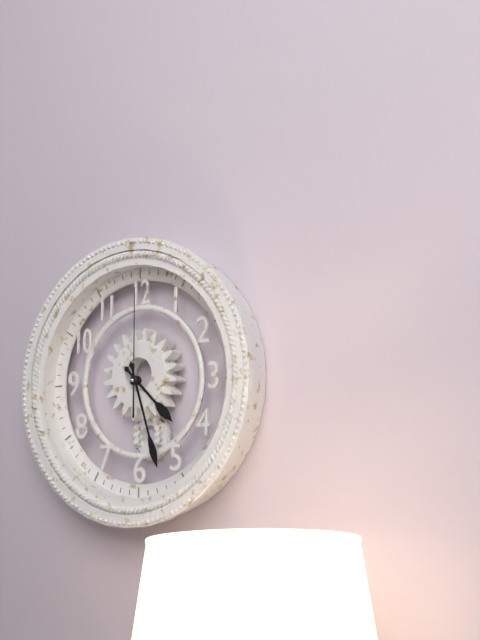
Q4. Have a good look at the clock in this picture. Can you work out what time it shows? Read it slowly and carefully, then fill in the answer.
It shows 4:27:00
